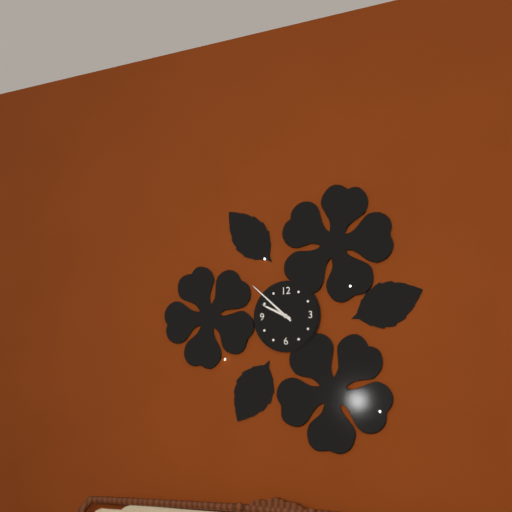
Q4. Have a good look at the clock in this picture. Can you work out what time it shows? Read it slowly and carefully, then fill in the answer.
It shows 9:52
